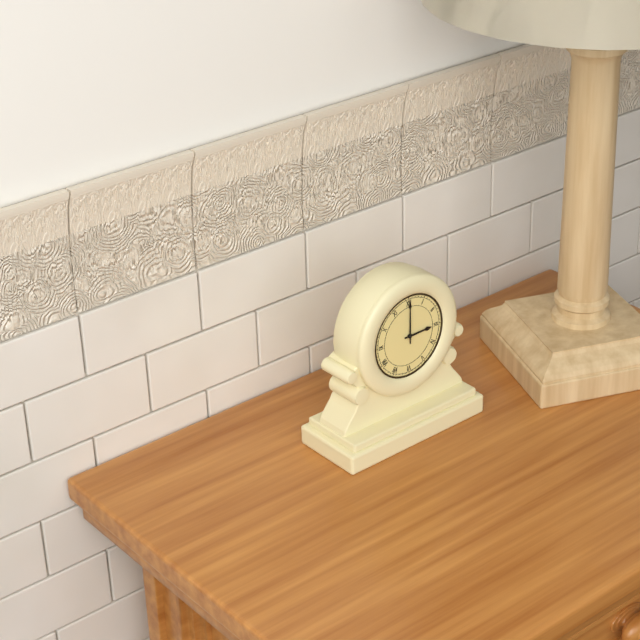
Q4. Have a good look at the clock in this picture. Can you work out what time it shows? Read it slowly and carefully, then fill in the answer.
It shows 3:00
